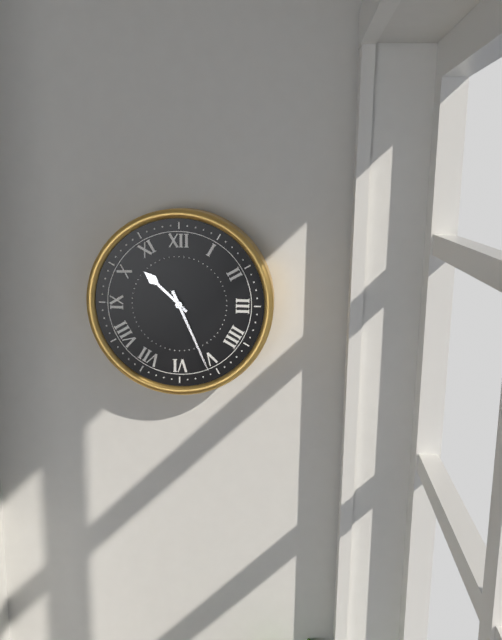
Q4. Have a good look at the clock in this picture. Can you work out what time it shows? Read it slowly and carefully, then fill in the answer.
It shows 10:26
